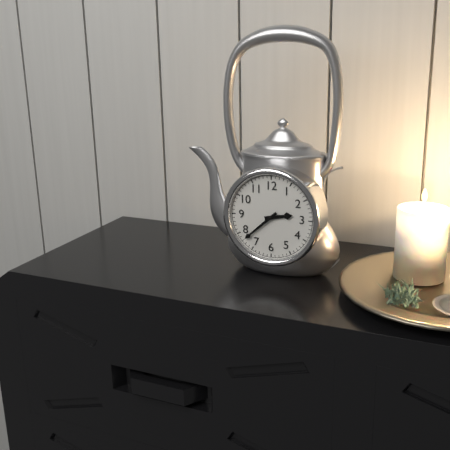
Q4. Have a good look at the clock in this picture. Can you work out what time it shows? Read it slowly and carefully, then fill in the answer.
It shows 2:38
